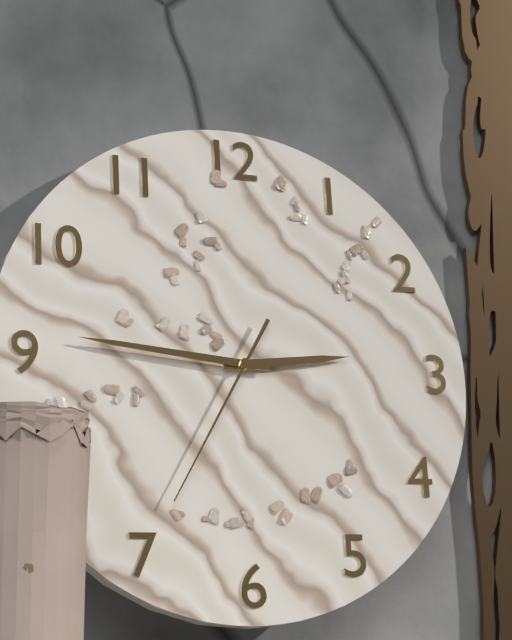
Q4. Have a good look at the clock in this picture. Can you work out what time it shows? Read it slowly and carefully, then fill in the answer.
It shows 2:46:35
